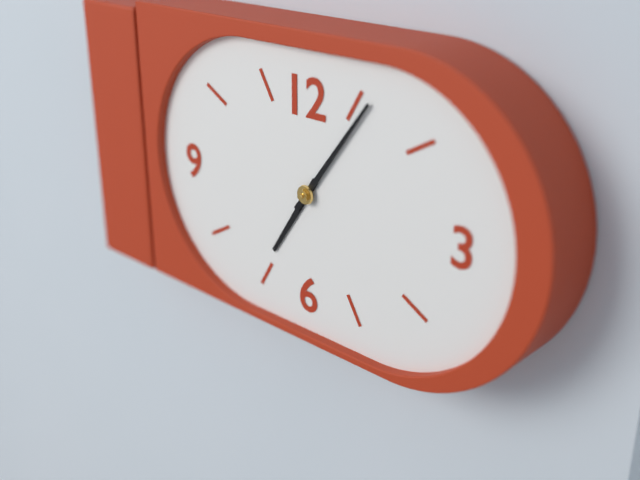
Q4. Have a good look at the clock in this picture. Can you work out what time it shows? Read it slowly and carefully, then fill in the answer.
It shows 7:06
